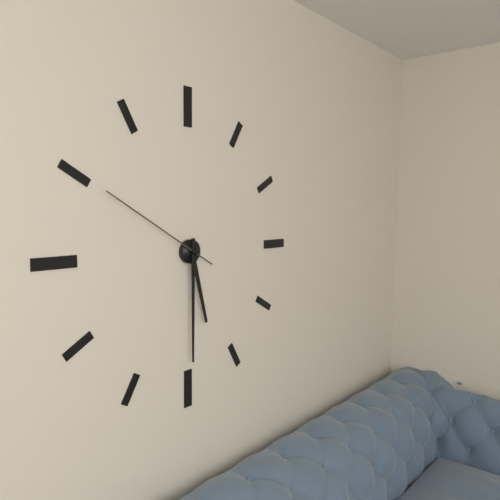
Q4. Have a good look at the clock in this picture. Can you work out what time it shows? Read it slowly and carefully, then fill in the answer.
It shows 5:30:50
